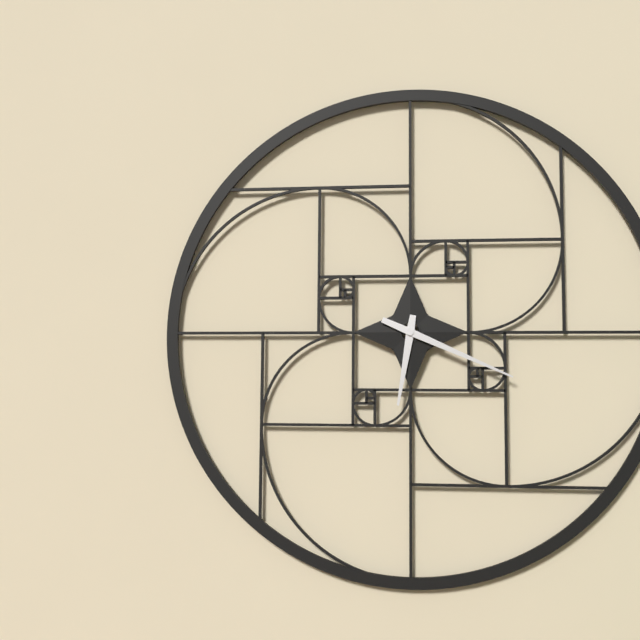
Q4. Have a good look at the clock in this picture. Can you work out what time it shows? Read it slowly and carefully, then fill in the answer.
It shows 6:19
